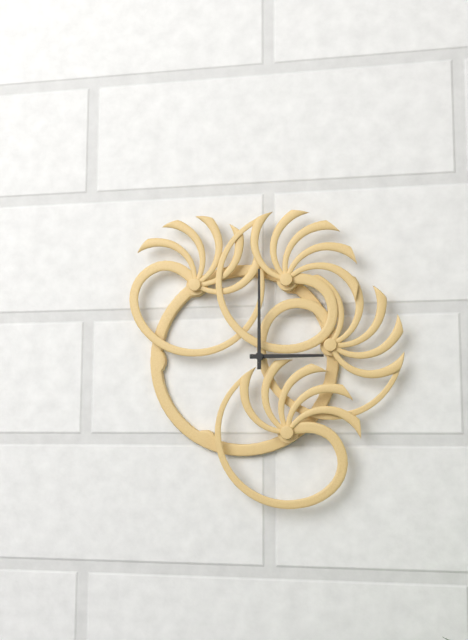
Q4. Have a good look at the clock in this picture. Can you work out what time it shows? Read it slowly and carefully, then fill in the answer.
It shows 3:00
